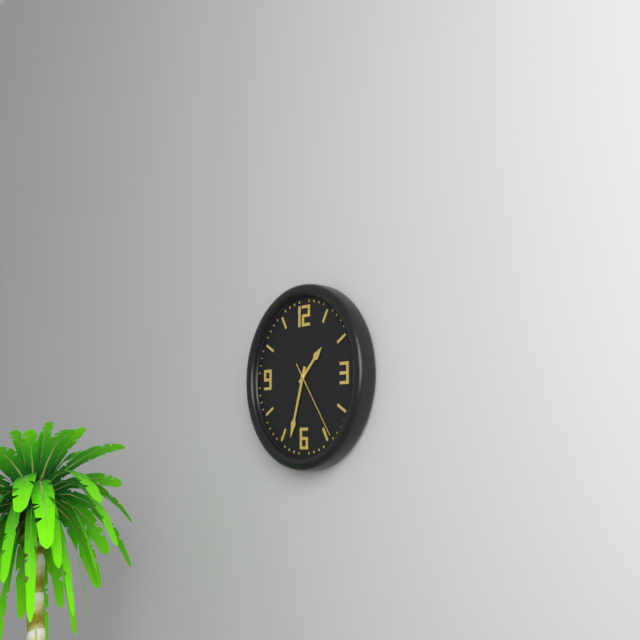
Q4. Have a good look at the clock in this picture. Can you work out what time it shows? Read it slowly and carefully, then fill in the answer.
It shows 1:33:24
